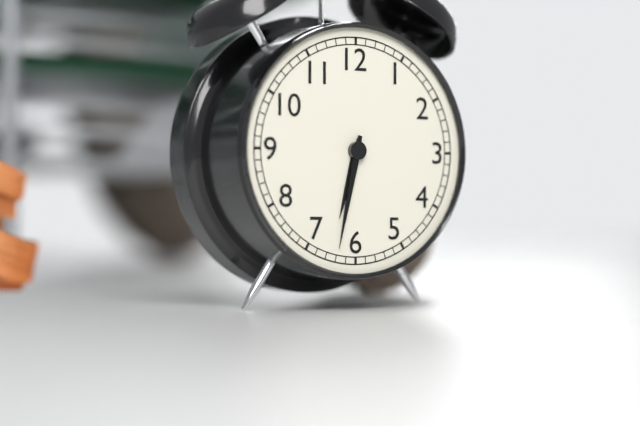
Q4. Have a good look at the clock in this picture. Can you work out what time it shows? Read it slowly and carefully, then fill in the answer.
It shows 6:32
